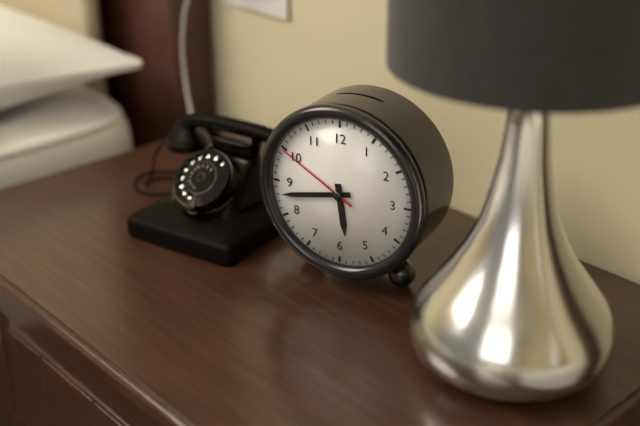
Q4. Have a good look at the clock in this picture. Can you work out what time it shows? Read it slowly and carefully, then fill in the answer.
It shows 5:43:50
